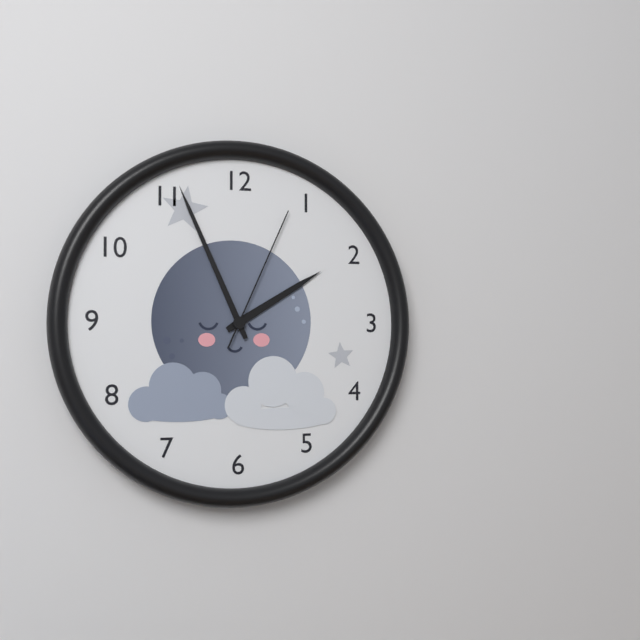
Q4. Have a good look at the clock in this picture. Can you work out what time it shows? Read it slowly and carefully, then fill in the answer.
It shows 1:56:04
